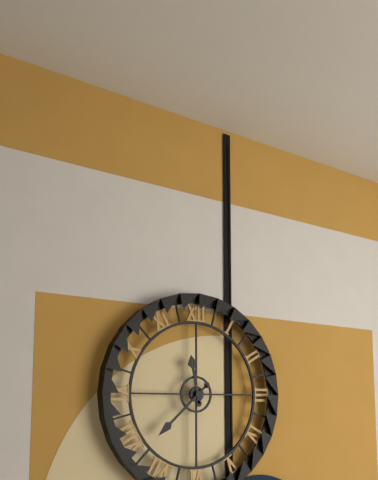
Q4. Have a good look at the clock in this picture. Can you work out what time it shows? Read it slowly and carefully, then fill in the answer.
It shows 11:38
